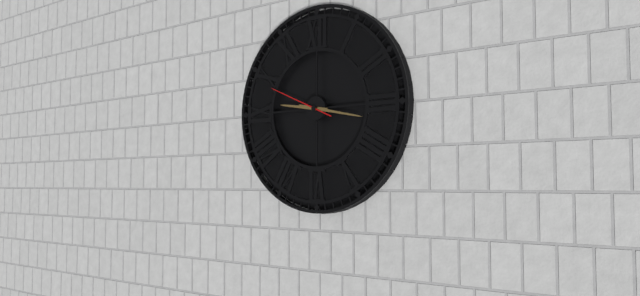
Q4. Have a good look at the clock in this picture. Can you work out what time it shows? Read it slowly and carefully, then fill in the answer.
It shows 9:17:49
